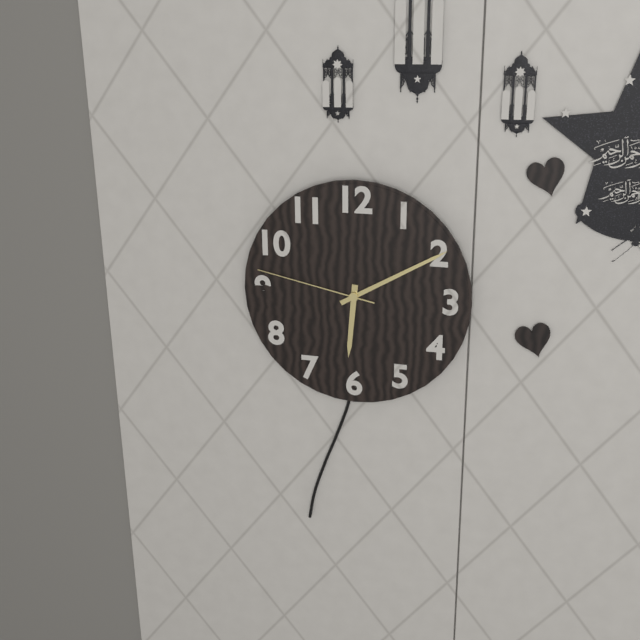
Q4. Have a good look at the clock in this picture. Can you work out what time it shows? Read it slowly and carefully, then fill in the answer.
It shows 6:10:47
